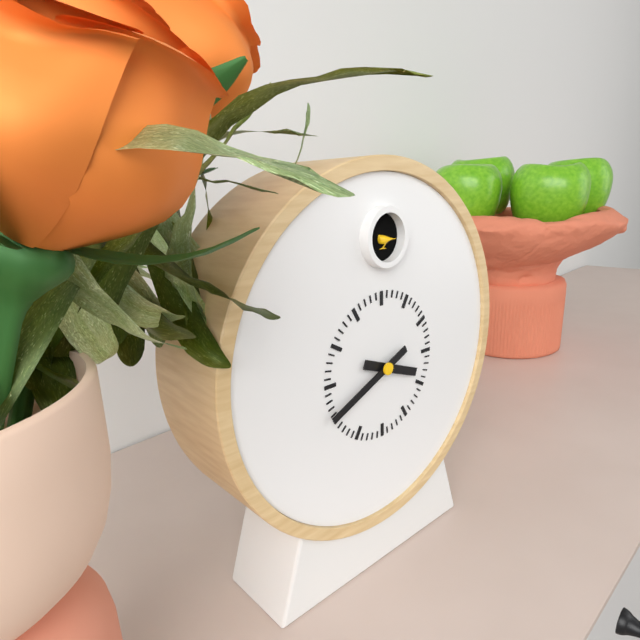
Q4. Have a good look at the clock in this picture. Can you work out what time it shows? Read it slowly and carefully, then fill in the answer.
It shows 3:41
